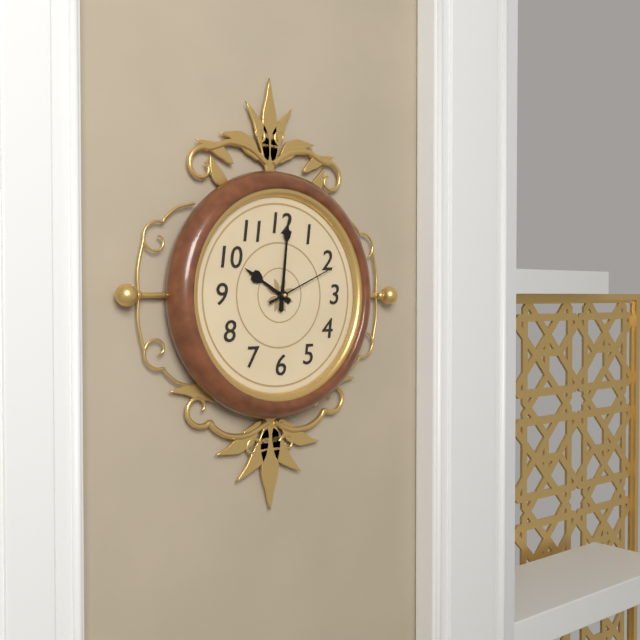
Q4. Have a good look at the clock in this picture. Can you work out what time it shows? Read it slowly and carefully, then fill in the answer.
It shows 10:01:11
